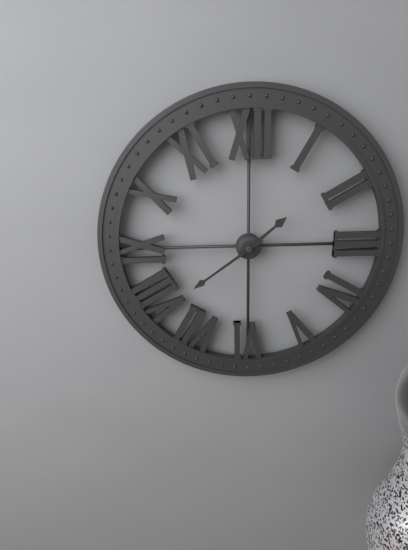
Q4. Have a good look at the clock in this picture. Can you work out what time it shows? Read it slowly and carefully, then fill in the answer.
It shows 1:39
